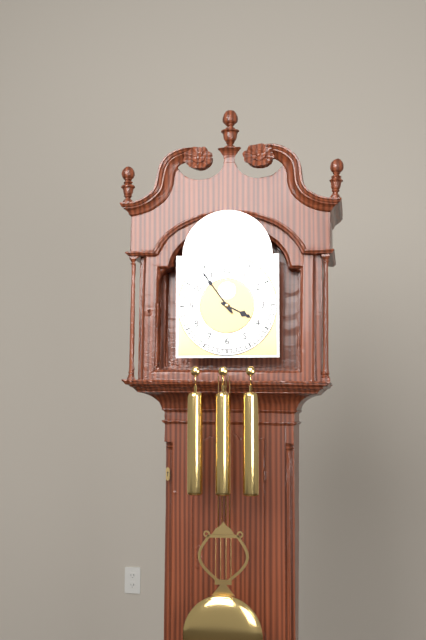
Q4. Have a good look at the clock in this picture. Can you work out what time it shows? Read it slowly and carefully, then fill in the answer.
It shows 3:54
